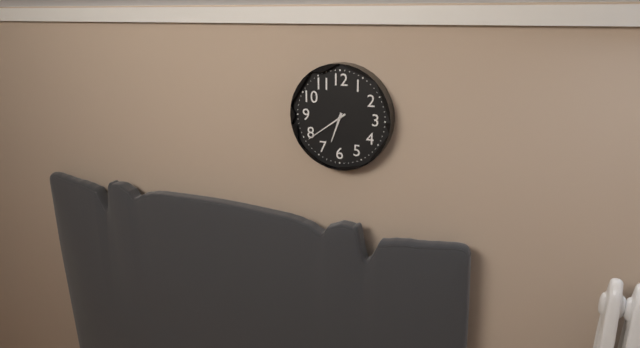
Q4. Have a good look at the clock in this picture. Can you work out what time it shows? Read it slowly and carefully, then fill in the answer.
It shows 6:39
